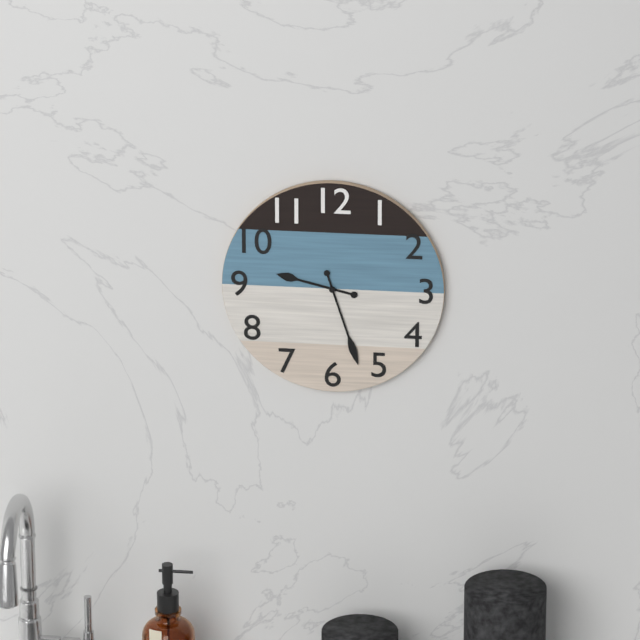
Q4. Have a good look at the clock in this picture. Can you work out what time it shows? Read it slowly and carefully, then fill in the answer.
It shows 9:27
